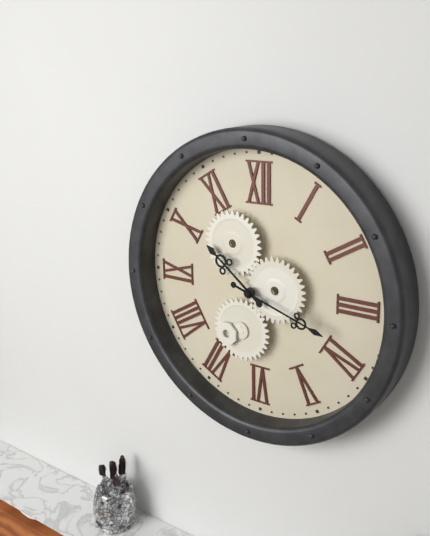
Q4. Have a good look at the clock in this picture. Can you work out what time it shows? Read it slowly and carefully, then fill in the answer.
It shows 10:18
